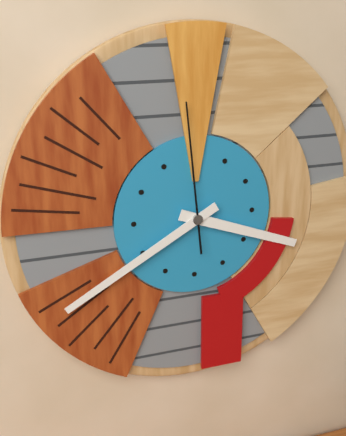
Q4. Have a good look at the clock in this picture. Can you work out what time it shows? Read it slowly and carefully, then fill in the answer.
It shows 3:40:59
